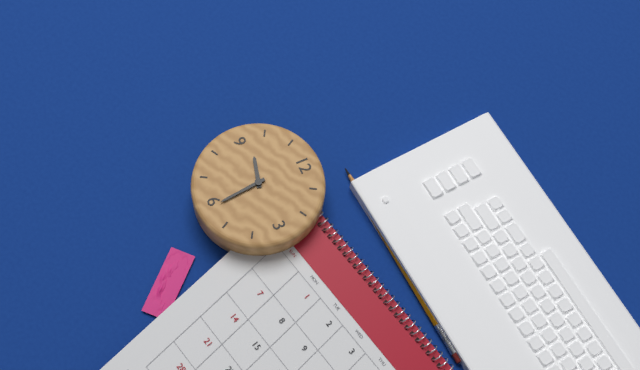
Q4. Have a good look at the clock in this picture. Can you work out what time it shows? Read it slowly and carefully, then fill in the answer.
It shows 9:29
